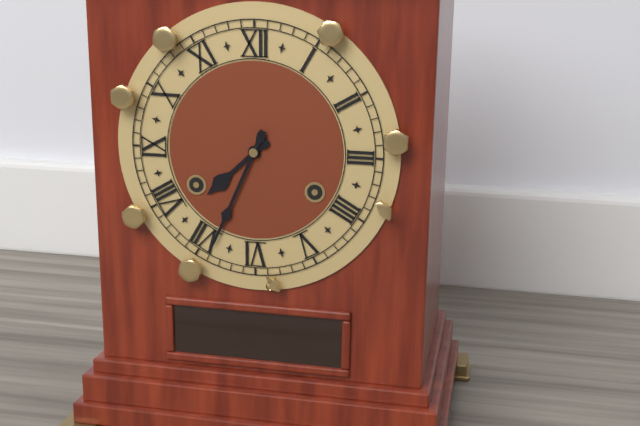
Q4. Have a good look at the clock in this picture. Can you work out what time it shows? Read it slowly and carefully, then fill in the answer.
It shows 7:34
